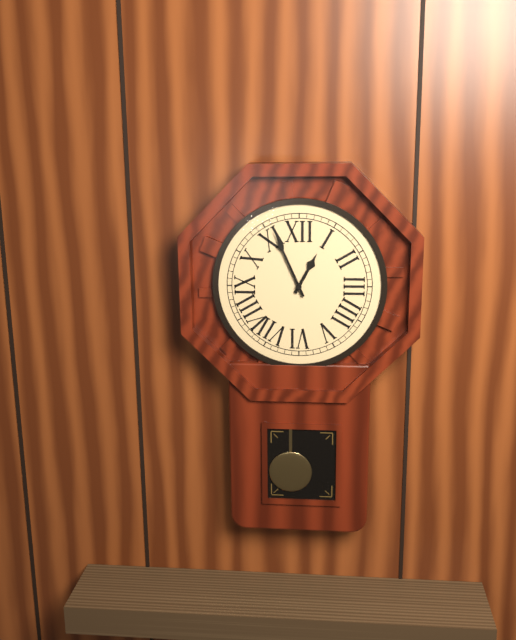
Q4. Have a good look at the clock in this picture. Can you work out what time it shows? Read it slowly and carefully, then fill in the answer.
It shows 12:56
